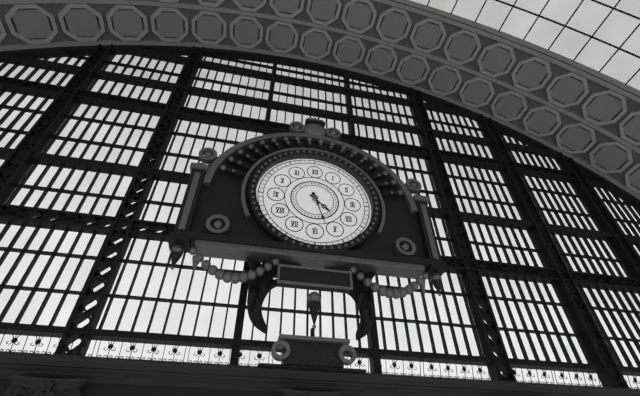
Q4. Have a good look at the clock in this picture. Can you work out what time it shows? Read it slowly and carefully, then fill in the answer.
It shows 4:27
